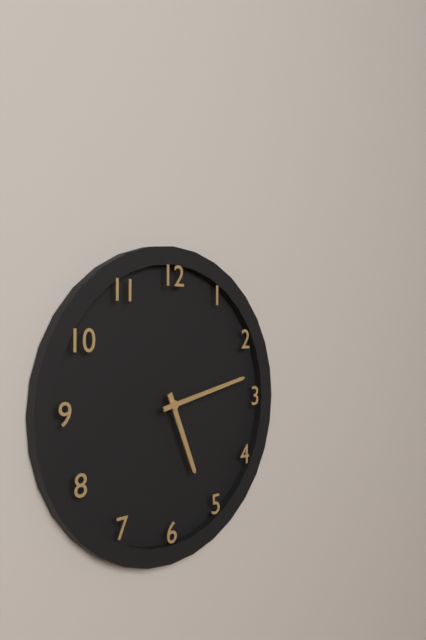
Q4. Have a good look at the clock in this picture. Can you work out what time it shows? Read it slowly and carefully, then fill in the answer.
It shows 5:13
